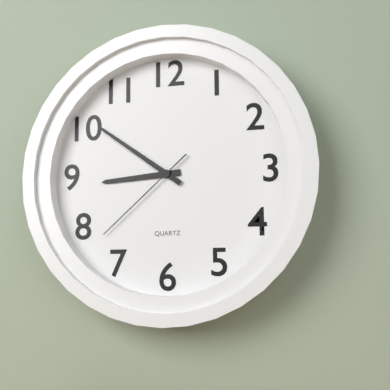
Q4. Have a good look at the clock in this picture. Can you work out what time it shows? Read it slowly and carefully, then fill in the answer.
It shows 8:51:38
